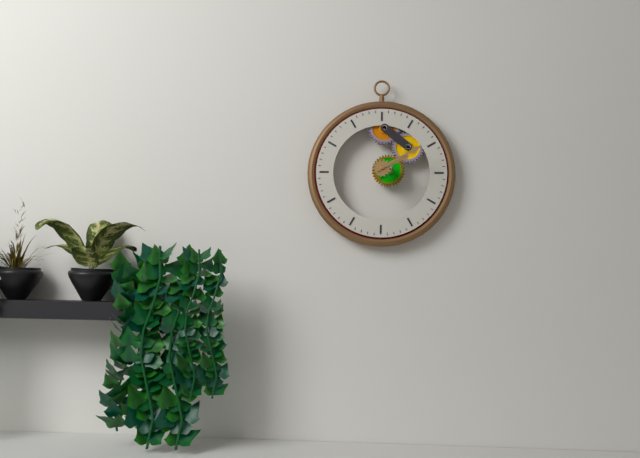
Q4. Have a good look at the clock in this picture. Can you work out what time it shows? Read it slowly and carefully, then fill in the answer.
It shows 2:10
